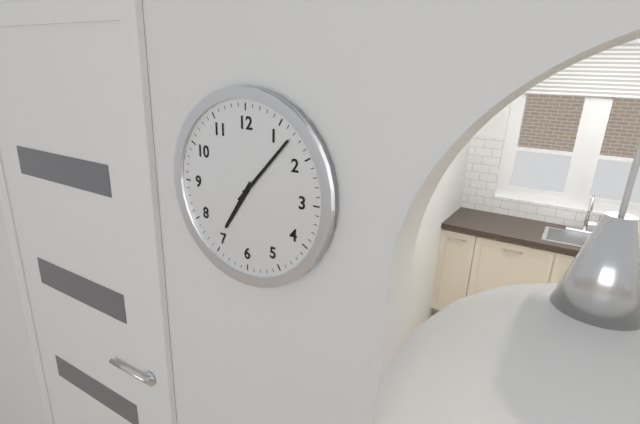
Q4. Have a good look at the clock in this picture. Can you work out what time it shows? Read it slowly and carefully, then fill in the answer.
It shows 7:07
